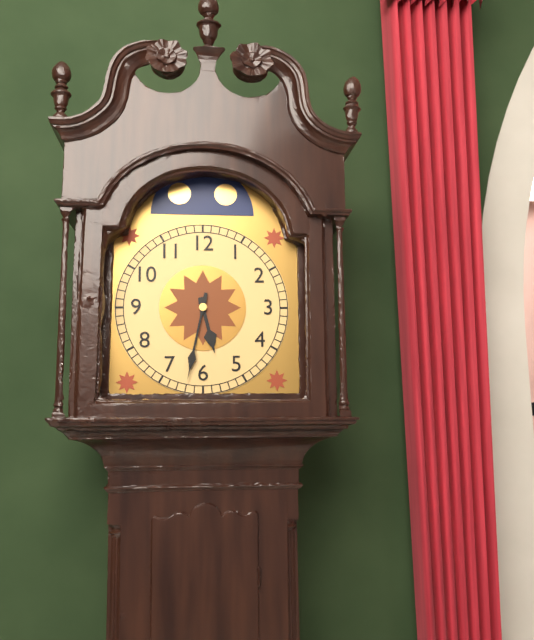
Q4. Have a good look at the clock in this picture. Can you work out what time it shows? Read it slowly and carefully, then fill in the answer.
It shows 5:32
